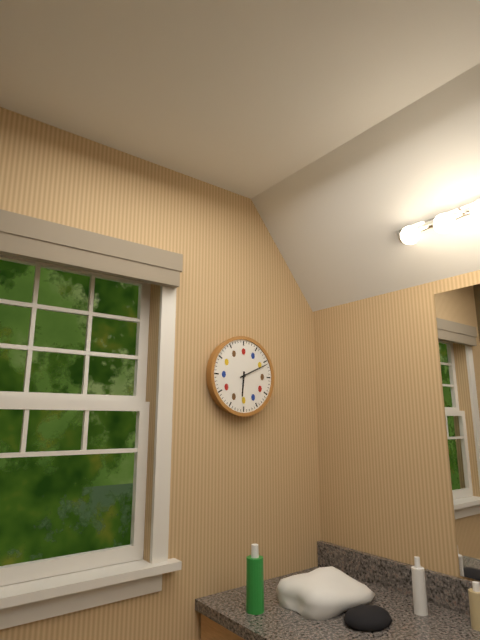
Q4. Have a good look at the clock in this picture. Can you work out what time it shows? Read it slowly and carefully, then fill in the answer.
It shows 6:11
